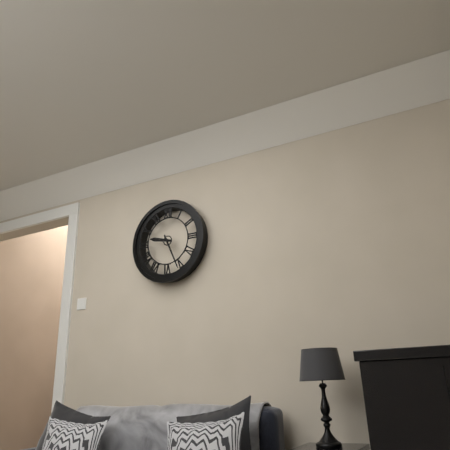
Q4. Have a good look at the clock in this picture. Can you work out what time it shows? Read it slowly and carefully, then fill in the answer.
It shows 9:26
